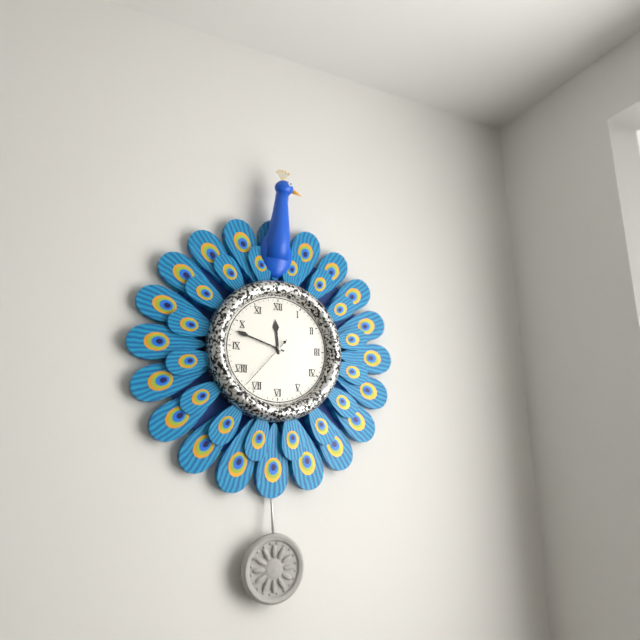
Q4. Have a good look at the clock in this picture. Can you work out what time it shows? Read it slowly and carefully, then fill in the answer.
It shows 11:48:37
